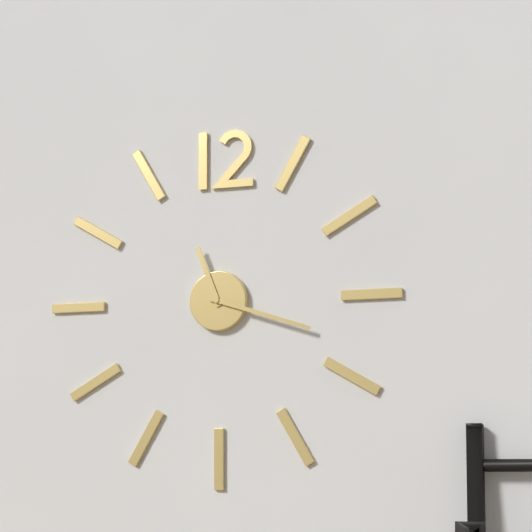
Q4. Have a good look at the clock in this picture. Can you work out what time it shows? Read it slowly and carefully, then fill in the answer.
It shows 11:18
